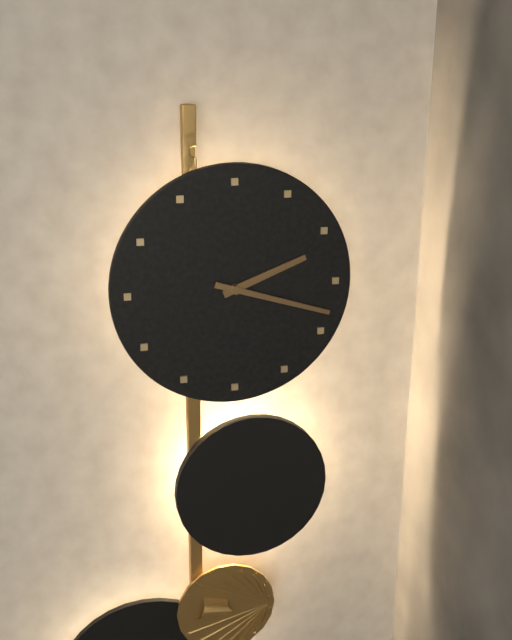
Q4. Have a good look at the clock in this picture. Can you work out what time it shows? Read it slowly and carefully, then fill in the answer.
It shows 2:18
